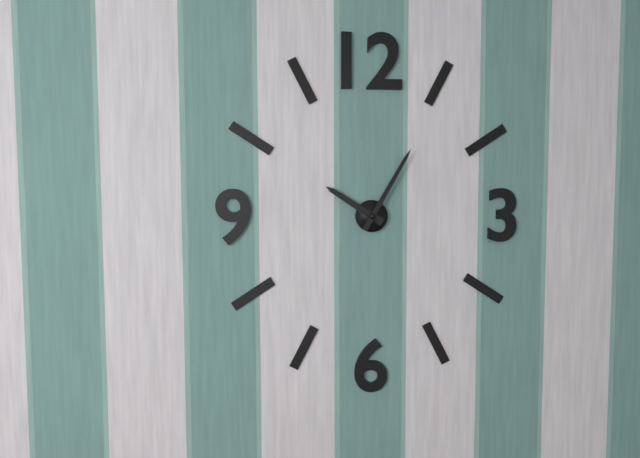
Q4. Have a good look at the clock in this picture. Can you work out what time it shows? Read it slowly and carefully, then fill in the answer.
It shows 10:05
